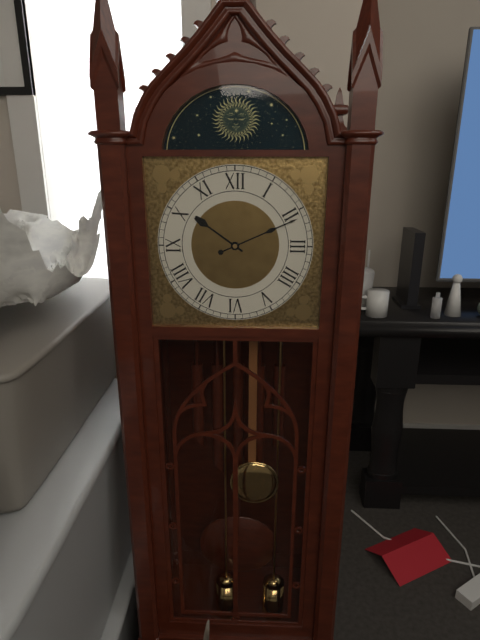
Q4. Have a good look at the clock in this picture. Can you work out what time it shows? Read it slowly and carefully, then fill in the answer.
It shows 10:11
